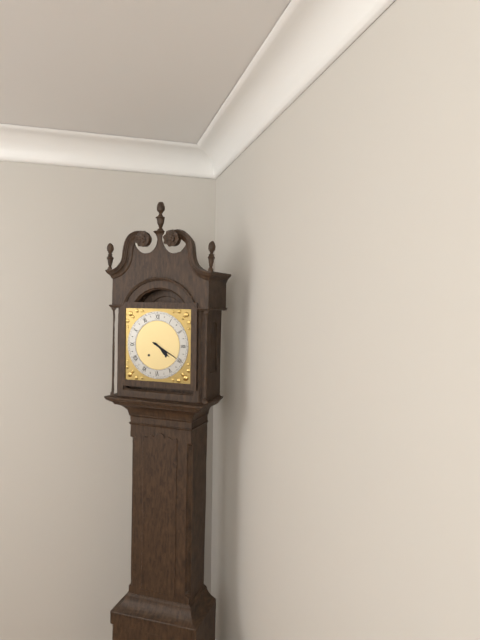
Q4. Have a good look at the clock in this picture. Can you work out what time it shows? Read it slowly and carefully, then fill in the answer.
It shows 4:20
